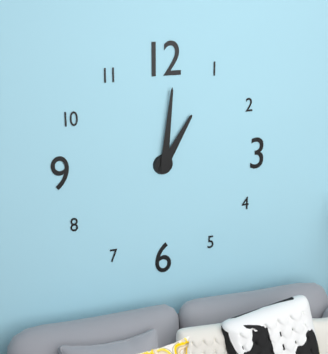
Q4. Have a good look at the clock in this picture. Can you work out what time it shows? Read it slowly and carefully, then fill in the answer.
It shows 1:01
